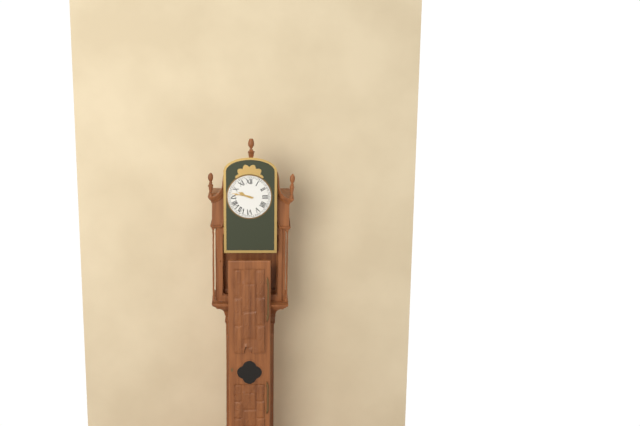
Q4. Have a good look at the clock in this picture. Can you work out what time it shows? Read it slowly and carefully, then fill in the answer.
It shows 9:47
